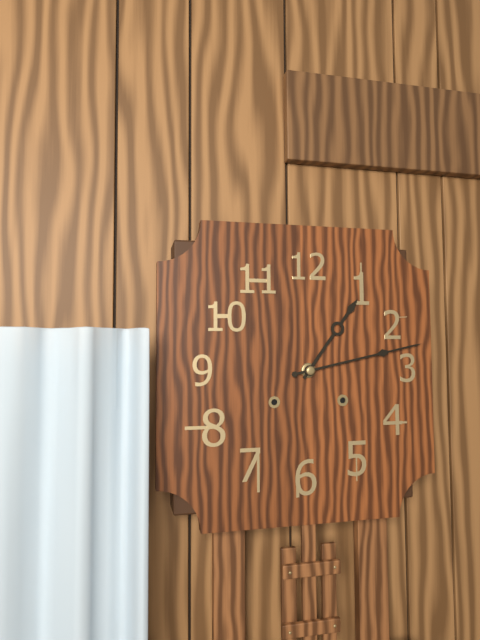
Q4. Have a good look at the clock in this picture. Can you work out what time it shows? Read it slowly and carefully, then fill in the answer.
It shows 1:13
